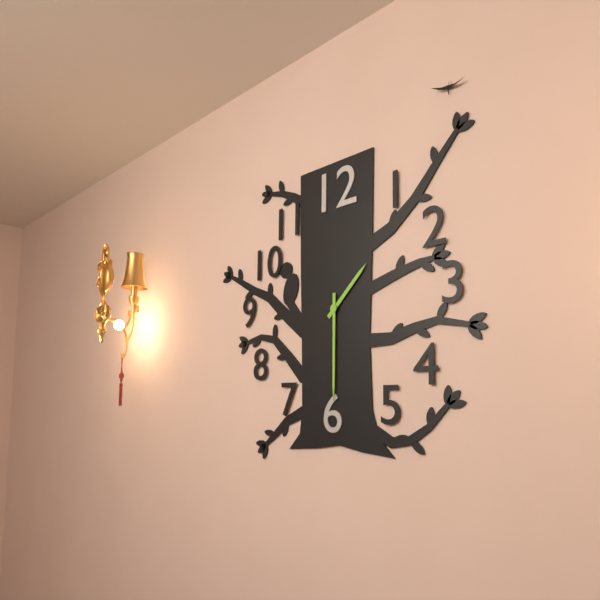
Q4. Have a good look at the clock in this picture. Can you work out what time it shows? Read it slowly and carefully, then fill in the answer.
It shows 1:30
